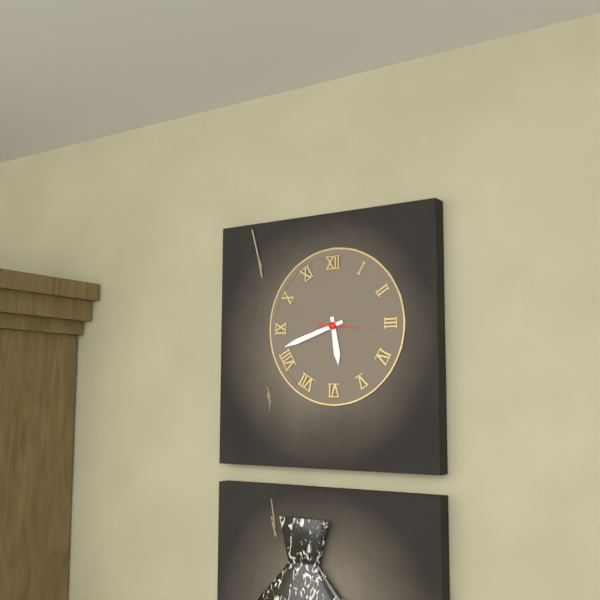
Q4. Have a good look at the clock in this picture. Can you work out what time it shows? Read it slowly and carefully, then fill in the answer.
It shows 5:42:16
